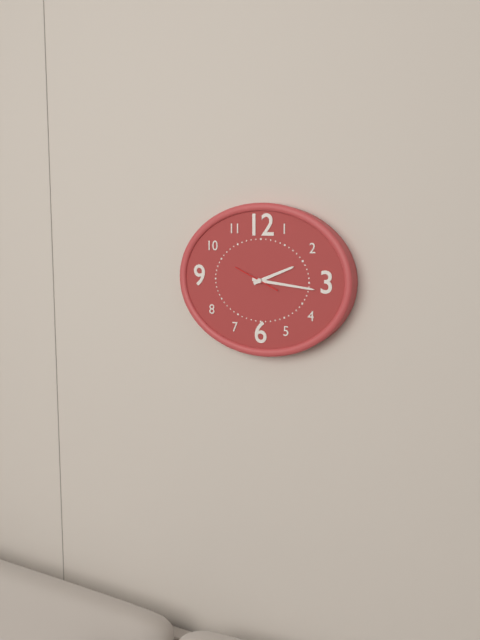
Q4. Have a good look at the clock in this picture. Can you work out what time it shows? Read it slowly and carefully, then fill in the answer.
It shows 2:16
